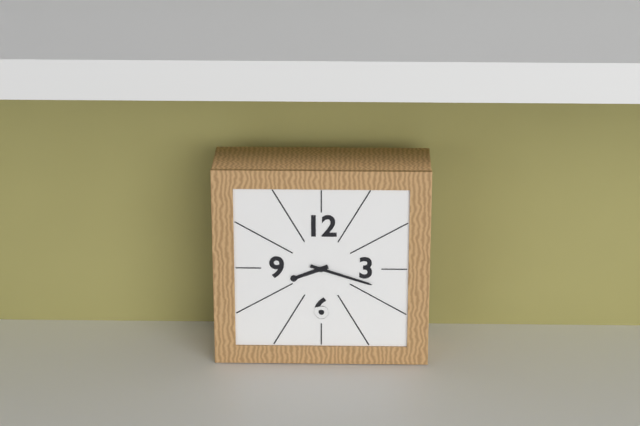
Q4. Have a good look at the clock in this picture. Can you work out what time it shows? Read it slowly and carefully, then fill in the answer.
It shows 8:18
